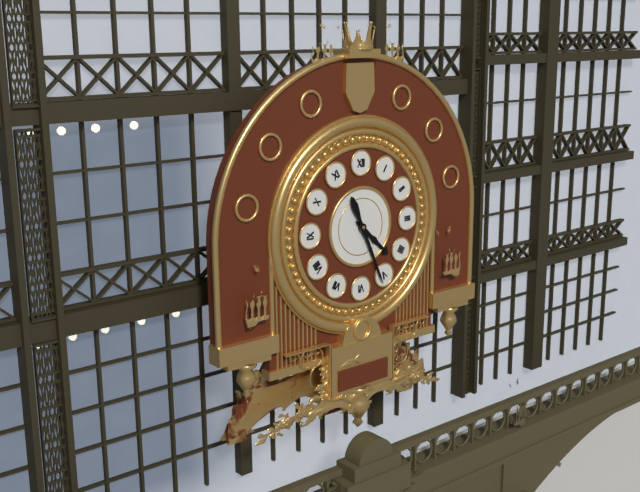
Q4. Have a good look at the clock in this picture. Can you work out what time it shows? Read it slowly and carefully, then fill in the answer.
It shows 4:26
